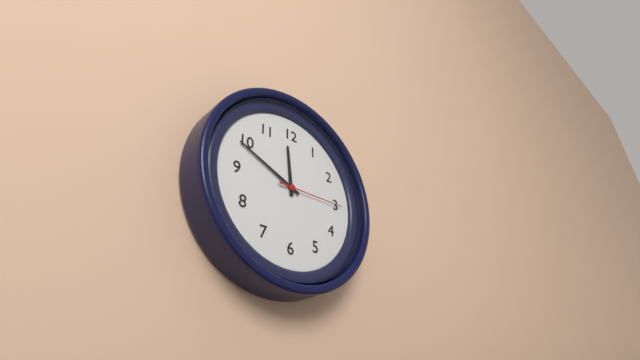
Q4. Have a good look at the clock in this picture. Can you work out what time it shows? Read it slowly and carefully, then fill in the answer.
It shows 11:49:15
